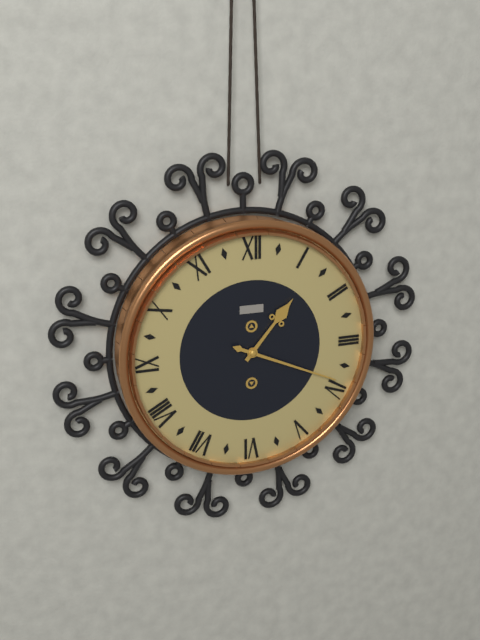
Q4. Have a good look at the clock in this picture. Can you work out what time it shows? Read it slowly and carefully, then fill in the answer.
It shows 1:19
